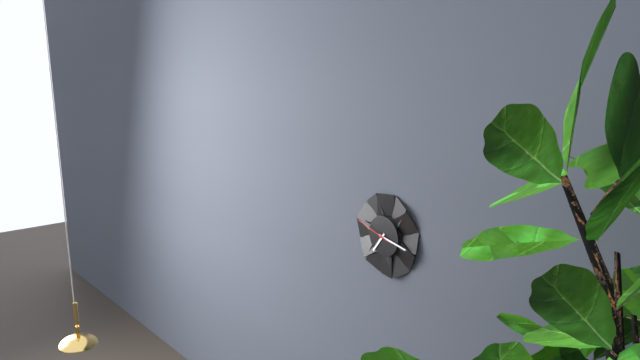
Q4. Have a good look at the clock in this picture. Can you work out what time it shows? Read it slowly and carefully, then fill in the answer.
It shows 7:17
